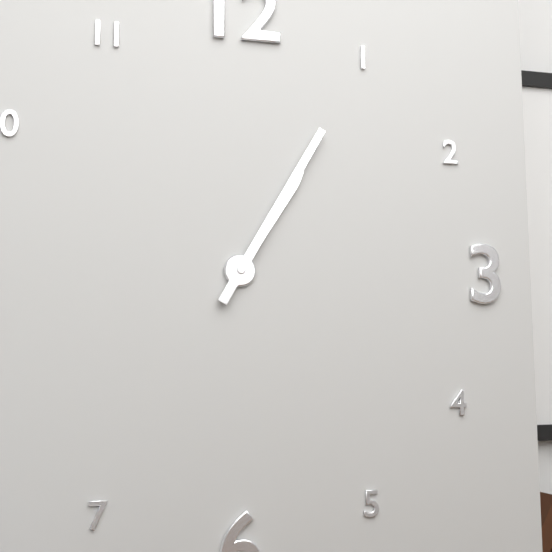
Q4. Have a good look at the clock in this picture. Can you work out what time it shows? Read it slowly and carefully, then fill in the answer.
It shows 1:05
